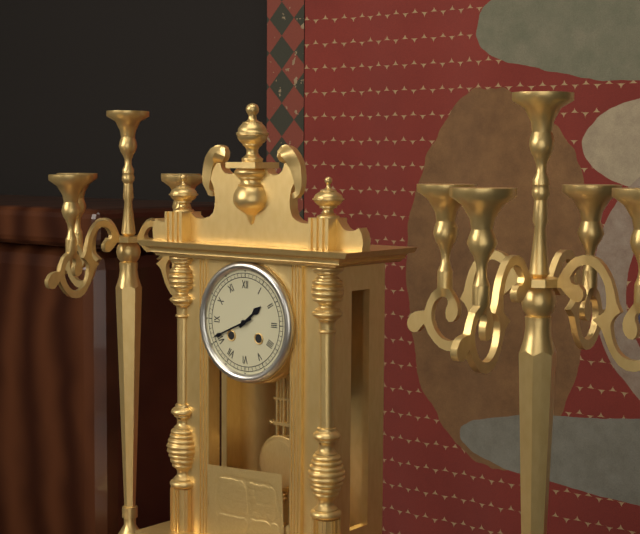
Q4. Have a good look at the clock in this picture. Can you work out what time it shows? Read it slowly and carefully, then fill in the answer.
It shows 1:41
